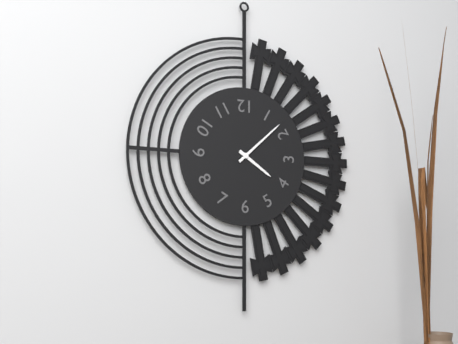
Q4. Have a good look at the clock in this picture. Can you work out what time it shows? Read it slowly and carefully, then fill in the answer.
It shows 4:08
